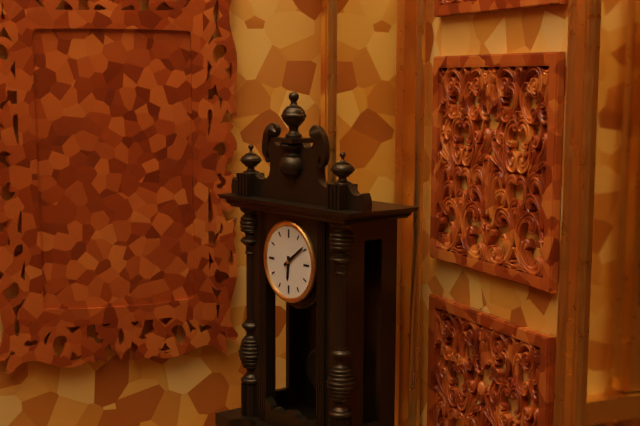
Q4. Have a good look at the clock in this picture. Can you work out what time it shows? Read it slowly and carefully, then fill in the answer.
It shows 6:09
